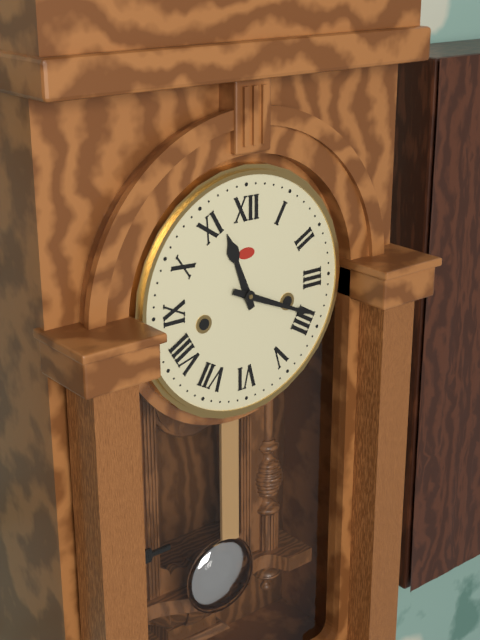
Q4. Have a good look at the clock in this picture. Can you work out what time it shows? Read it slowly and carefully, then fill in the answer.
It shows 11:19
